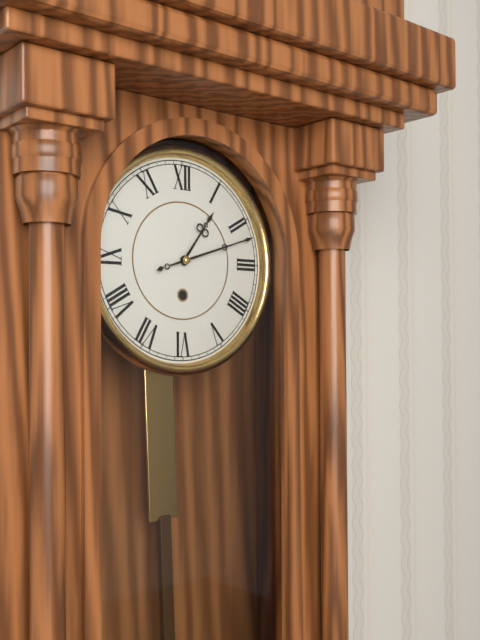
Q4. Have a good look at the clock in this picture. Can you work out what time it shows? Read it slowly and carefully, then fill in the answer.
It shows 1:12
